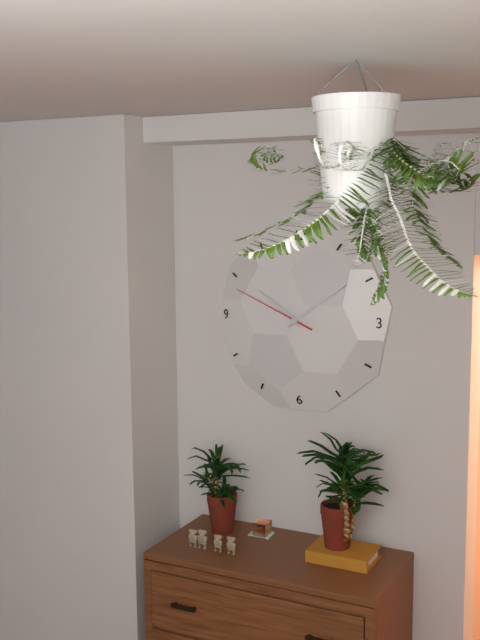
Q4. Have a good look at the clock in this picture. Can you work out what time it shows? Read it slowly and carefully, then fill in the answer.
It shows 10:09:49
